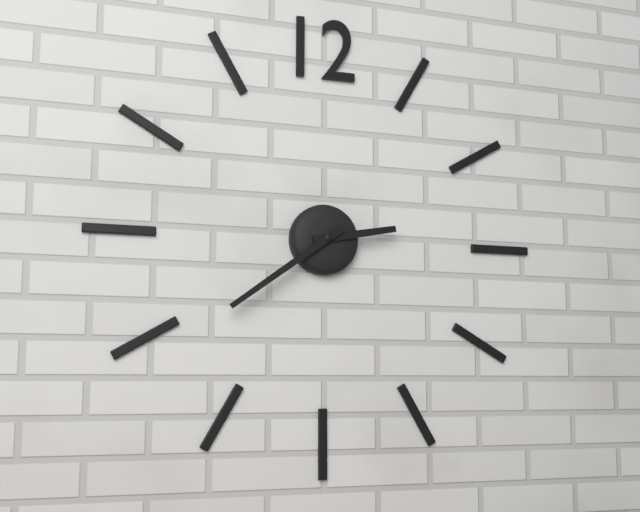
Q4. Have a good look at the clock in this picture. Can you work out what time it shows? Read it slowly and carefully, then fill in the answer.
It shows 2:39
